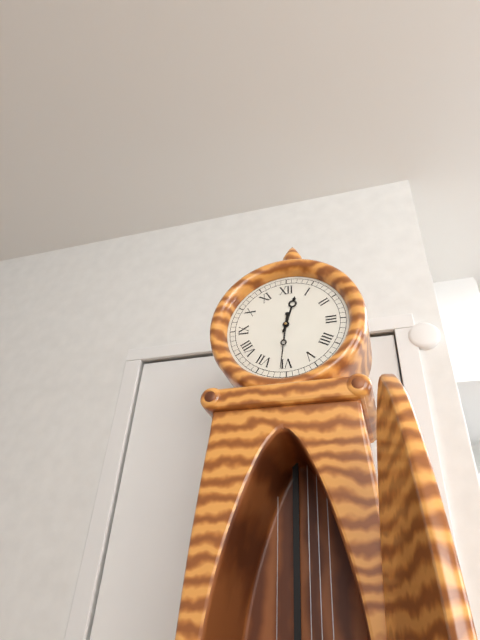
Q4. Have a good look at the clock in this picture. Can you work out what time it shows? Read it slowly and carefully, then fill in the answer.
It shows 12:31
